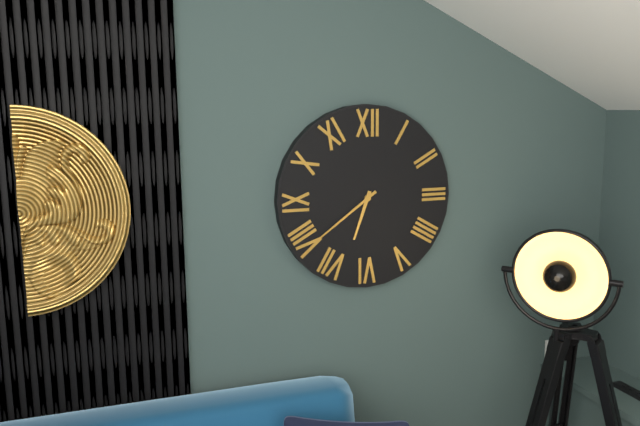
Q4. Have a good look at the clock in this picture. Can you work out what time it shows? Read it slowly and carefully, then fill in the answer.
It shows 6:39
